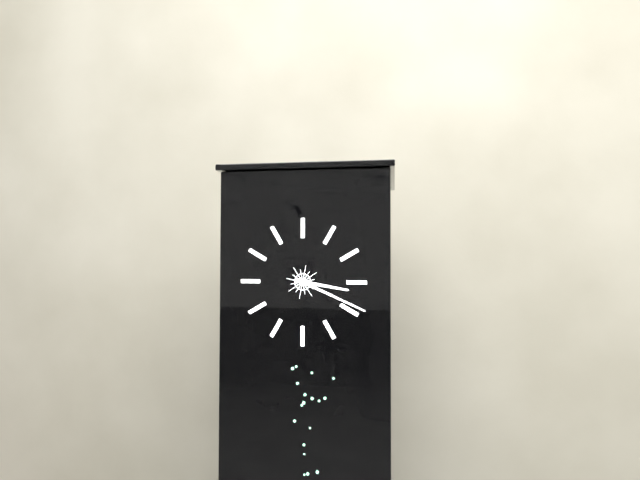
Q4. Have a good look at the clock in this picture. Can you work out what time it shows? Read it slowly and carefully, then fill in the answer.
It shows 3:19
